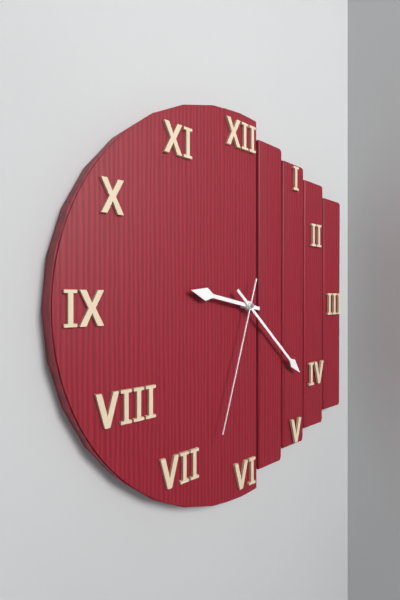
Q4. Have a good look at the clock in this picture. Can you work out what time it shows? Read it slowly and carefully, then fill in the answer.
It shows 9:22:33
